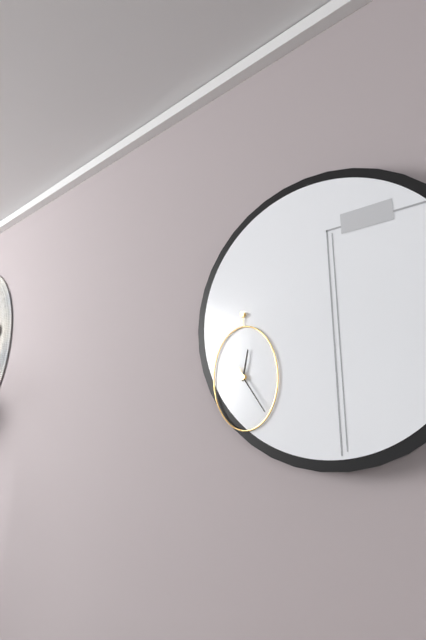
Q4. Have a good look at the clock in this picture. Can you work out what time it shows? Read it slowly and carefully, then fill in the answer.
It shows 12:24
